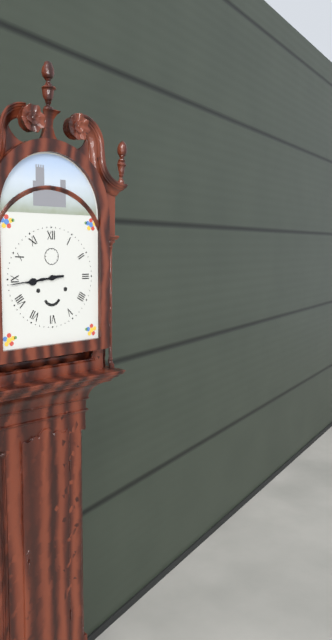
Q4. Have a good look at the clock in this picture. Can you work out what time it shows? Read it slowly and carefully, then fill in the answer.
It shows 8:44
